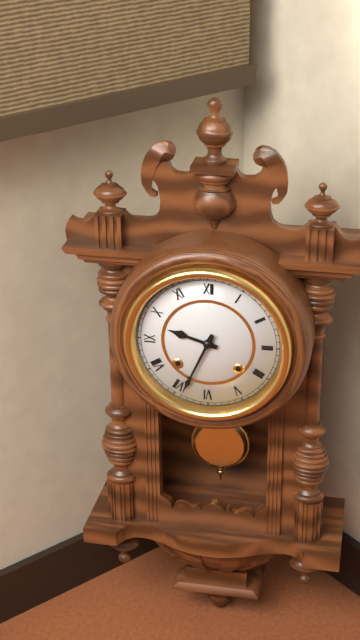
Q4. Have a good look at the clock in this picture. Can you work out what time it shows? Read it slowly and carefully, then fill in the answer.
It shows 9:34
